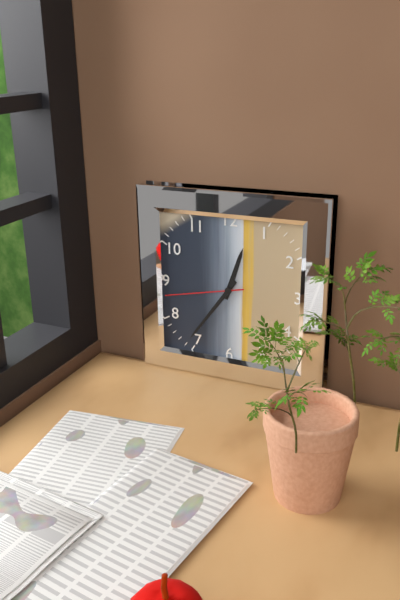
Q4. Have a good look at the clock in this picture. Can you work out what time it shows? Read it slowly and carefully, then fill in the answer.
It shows 12:36:43
